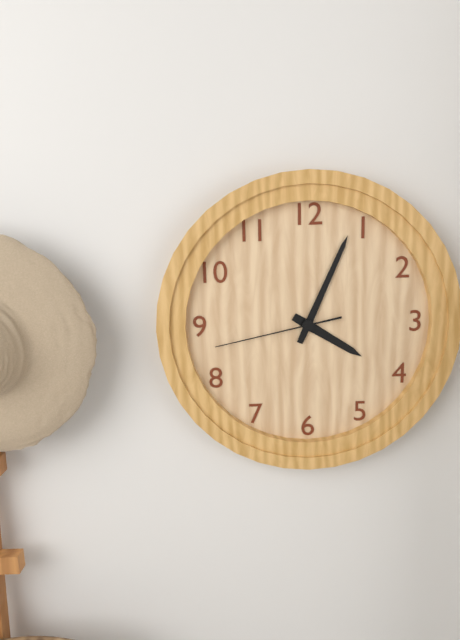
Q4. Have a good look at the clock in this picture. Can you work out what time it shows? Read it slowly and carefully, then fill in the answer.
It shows 4:04:43
